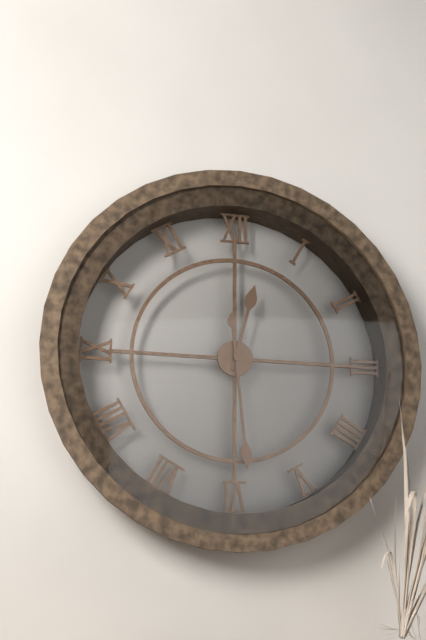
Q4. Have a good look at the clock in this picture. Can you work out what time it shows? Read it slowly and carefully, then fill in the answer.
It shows 12:29
